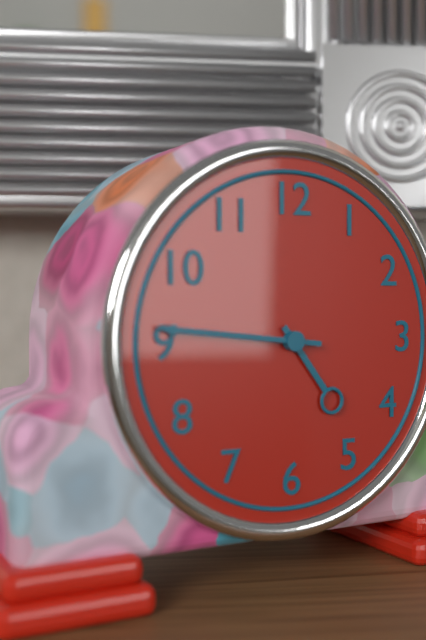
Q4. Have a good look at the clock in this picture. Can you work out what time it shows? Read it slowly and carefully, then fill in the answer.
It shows 4:46
